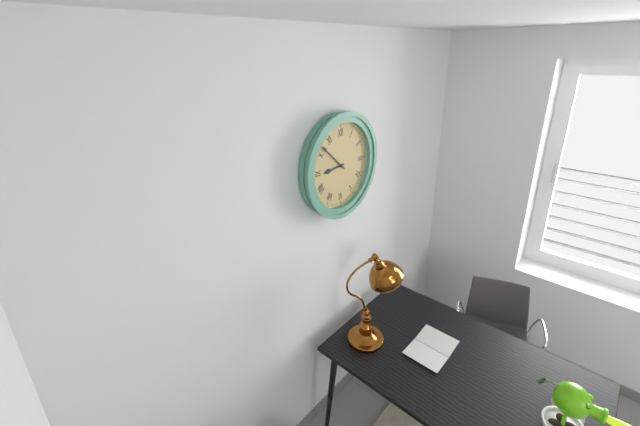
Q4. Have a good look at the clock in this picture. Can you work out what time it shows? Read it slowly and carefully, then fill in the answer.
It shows 8:52
